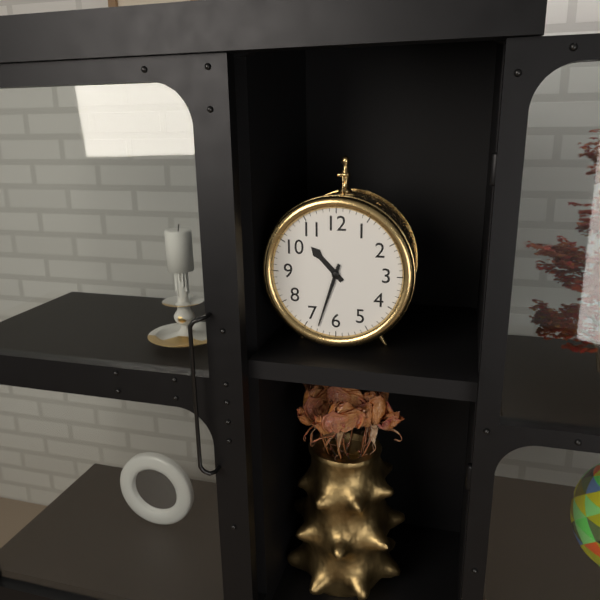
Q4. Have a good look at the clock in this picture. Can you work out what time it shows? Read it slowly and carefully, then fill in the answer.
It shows 10:33
